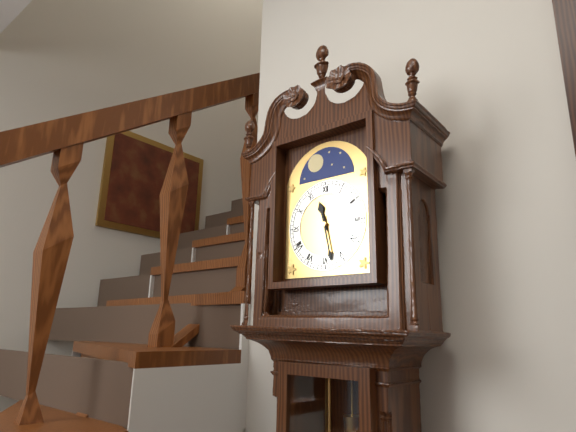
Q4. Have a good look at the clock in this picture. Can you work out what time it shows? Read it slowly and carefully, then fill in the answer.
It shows 11:28
